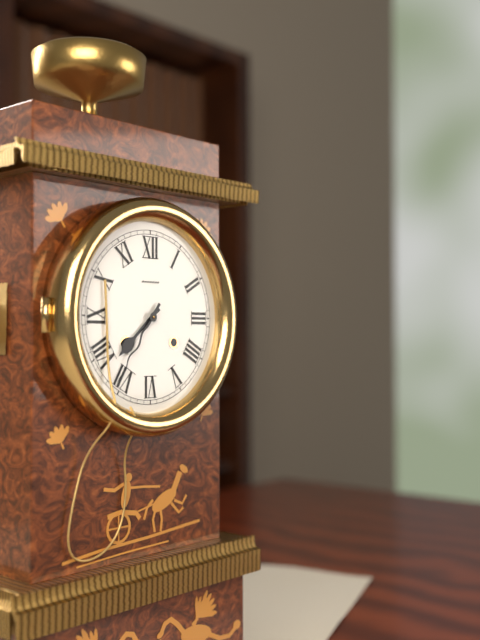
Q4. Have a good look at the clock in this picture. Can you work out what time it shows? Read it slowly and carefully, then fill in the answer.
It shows 7:36
